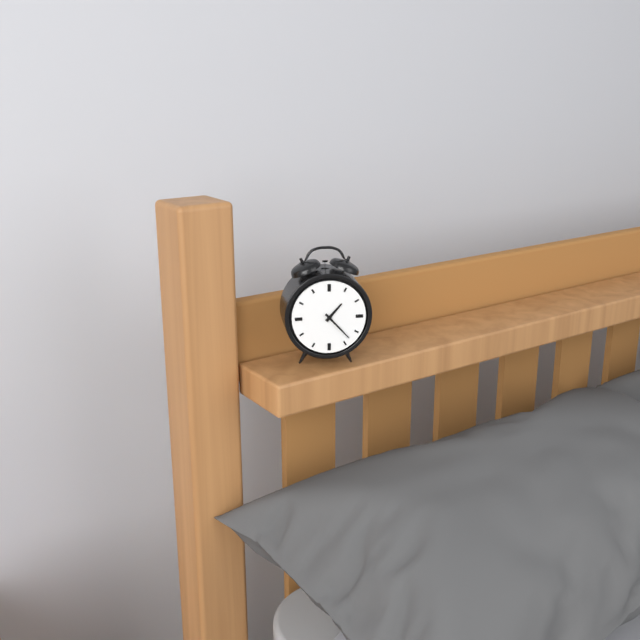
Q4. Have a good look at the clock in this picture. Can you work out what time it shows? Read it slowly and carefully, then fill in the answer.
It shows 1:23
